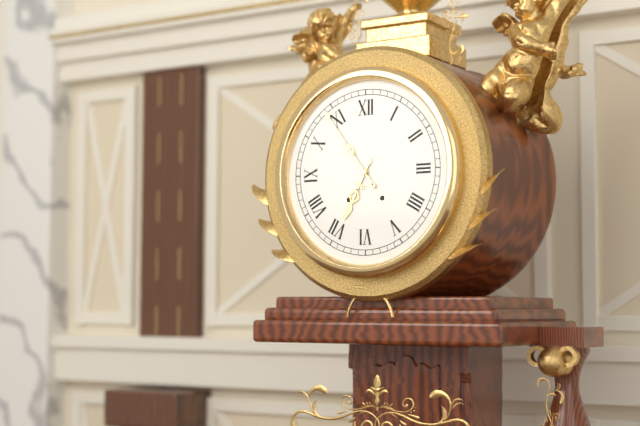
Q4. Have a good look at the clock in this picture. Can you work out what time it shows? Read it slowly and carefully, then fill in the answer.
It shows 6:54
